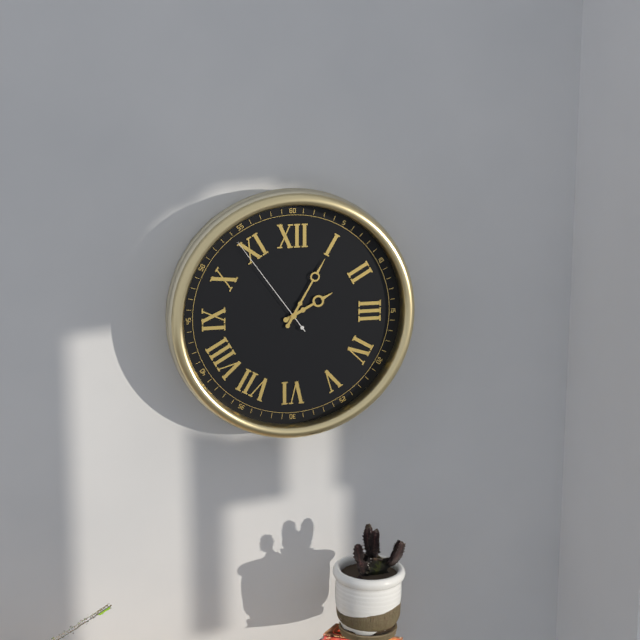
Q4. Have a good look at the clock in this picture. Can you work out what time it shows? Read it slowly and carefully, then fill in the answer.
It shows 2:05:54
